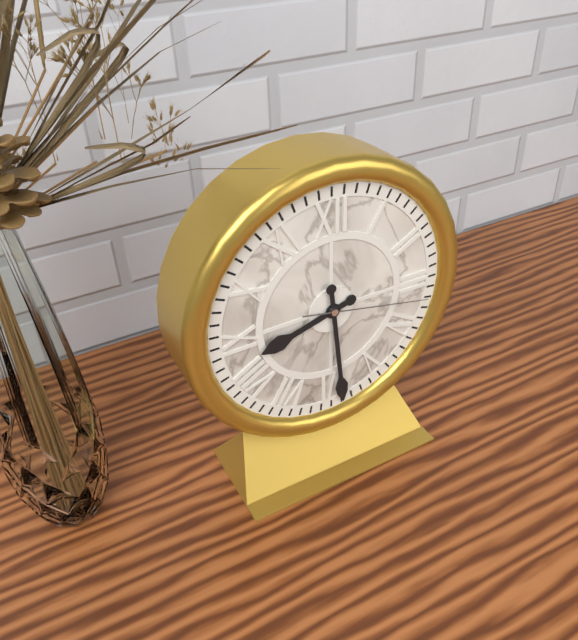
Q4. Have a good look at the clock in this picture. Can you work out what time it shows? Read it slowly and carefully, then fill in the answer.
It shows 8:29:17
